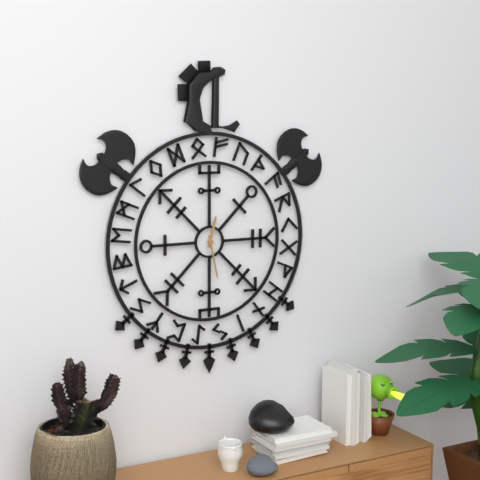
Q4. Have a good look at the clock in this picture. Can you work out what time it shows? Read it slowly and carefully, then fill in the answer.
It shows 12:28
